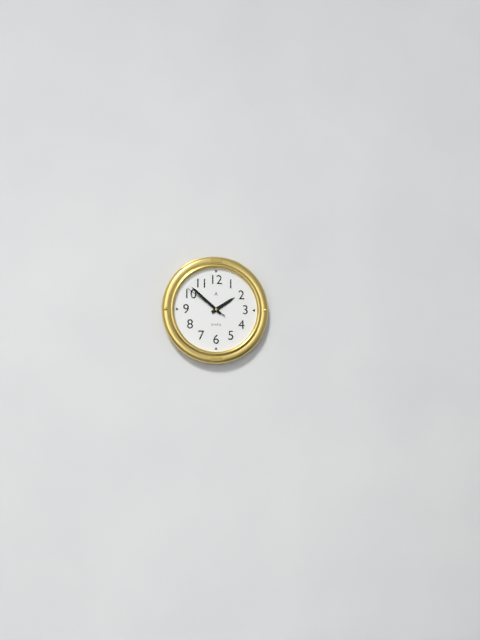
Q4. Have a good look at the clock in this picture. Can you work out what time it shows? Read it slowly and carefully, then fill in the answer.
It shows 1:52
